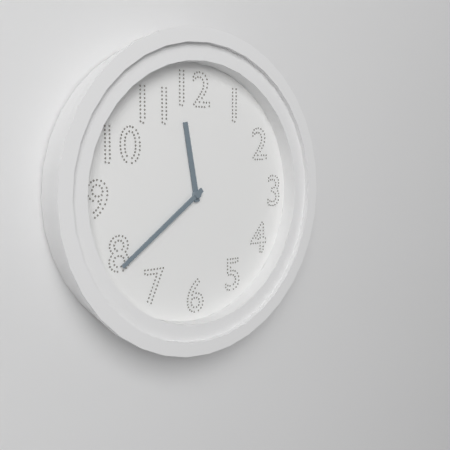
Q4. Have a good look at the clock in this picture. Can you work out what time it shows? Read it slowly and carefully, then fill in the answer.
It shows 11:39
